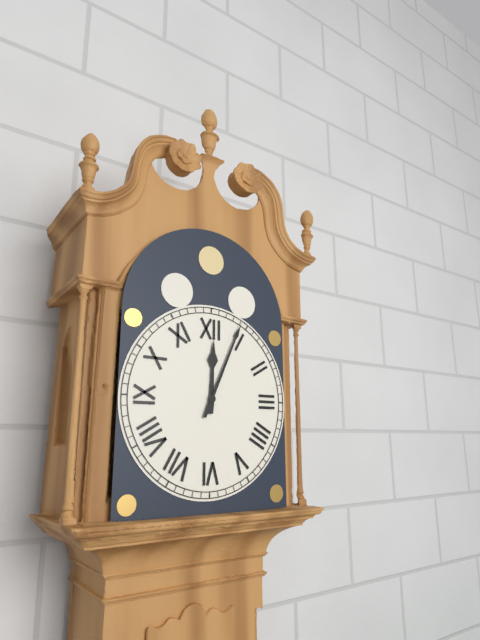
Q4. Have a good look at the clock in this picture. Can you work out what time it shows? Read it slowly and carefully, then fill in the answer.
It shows 12:04
